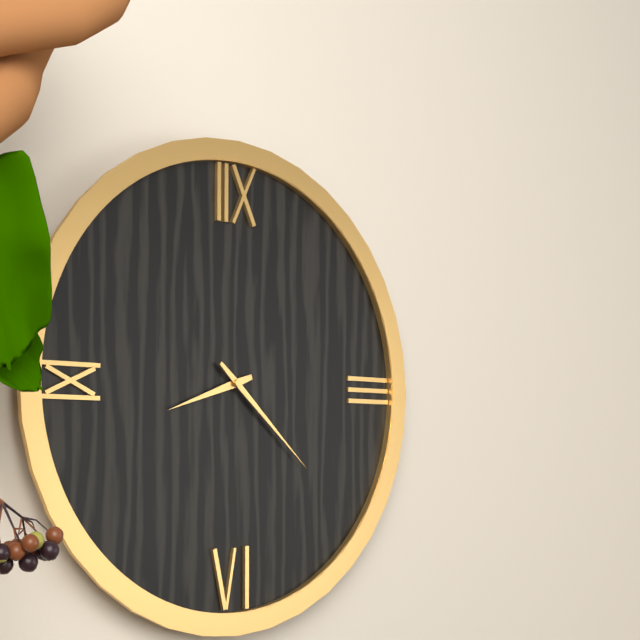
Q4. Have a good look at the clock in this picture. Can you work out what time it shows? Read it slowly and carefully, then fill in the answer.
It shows 8:22
